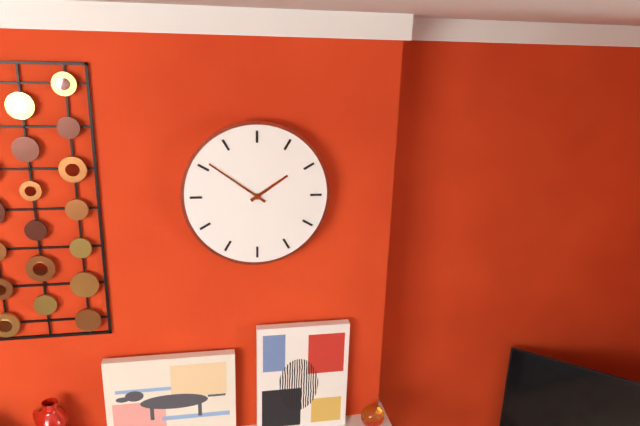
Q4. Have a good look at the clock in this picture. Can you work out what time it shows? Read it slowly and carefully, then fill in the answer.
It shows 1:51
